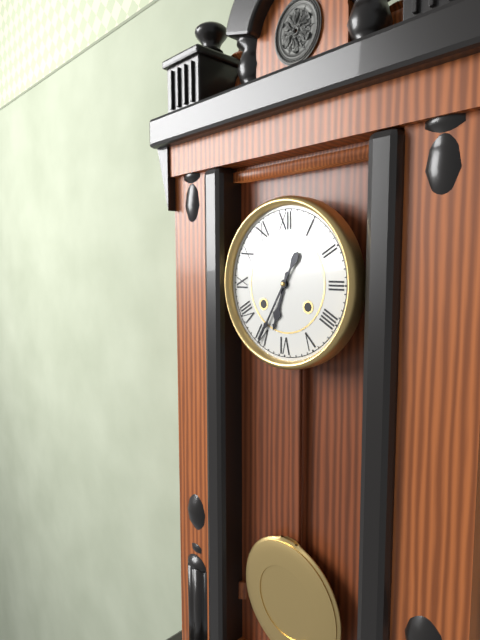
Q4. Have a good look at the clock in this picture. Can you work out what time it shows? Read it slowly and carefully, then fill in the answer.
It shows 6:35
